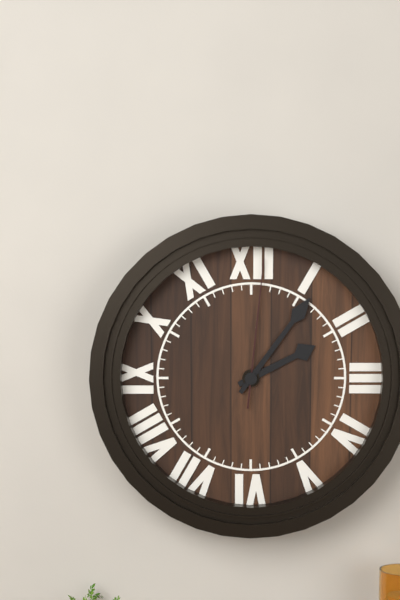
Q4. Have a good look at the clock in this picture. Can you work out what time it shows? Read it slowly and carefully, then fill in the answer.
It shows 2:06:01
